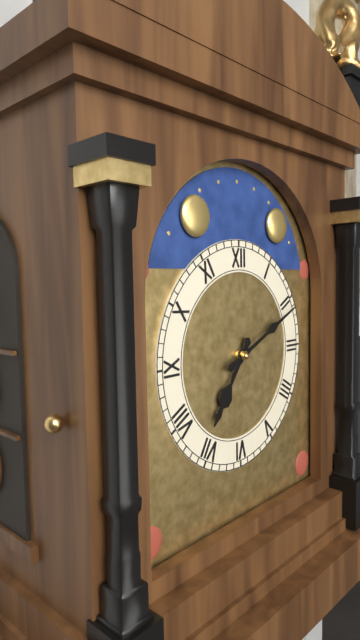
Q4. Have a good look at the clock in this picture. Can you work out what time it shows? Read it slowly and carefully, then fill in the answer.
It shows 7:11
